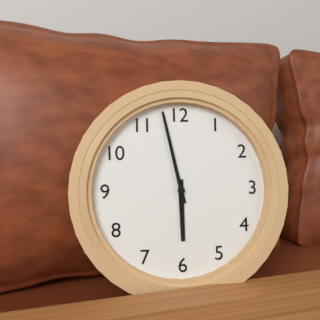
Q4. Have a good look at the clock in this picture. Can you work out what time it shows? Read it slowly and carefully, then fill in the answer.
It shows 5:58
